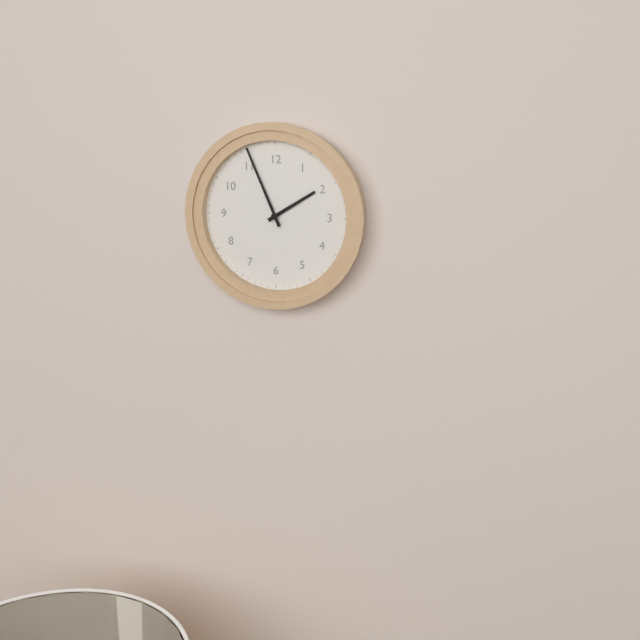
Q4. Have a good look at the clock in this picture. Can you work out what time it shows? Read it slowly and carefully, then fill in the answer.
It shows 1:56
